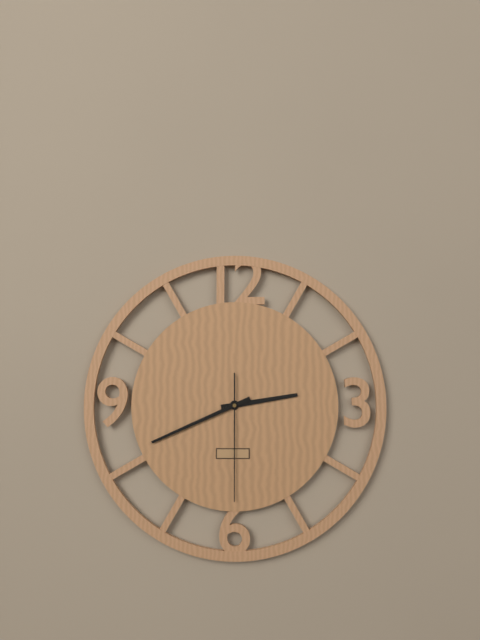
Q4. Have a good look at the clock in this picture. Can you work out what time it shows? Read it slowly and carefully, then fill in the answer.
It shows 2:41:30
